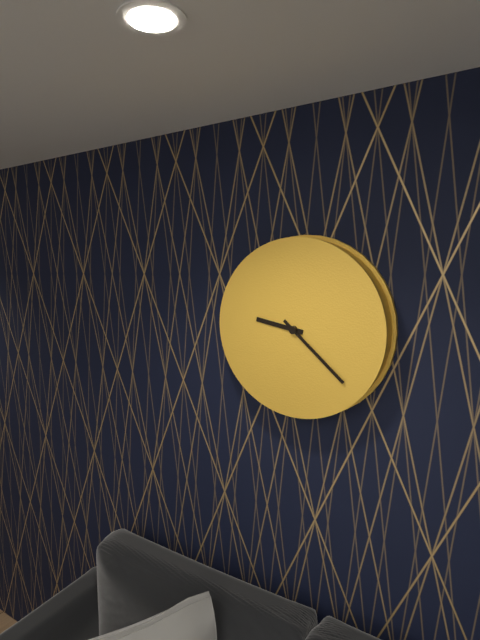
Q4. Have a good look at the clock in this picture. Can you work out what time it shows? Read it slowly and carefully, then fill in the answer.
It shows 9:22
